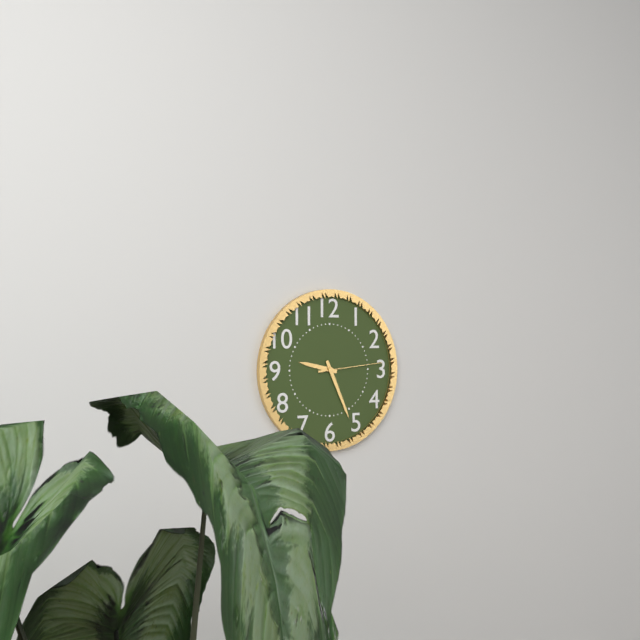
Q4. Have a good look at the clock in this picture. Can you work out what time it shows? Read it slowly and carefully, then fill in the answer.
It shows 9:26:14
